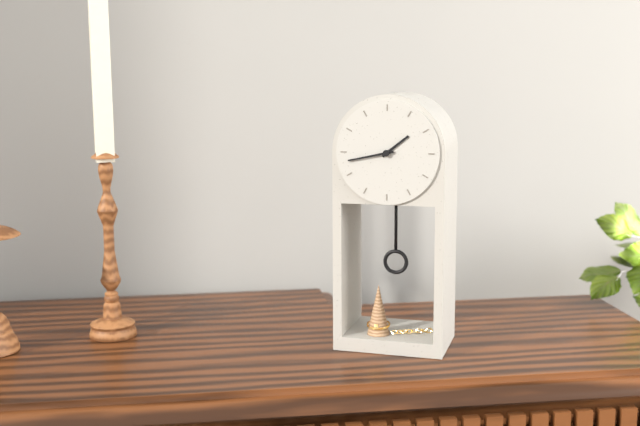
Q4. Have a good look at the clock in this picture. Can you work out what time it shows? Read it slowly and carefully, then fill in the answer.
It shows 1:43
